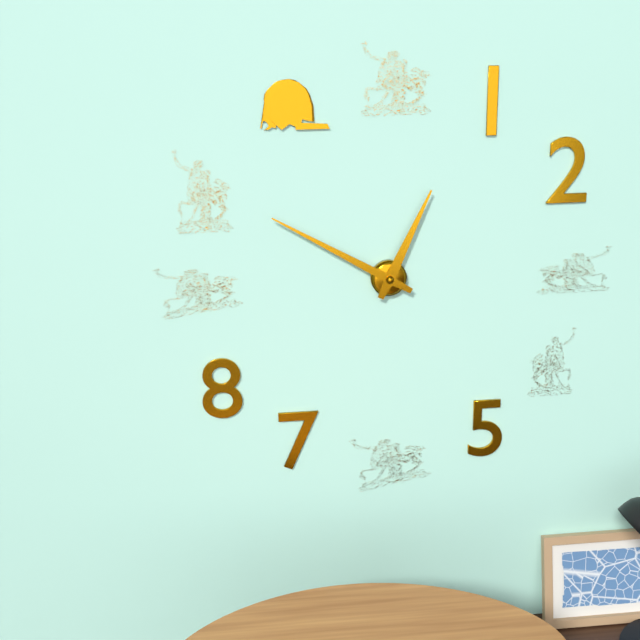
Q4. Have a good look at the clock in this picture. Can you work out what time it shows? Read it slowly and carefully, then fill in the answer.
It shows 12:50
